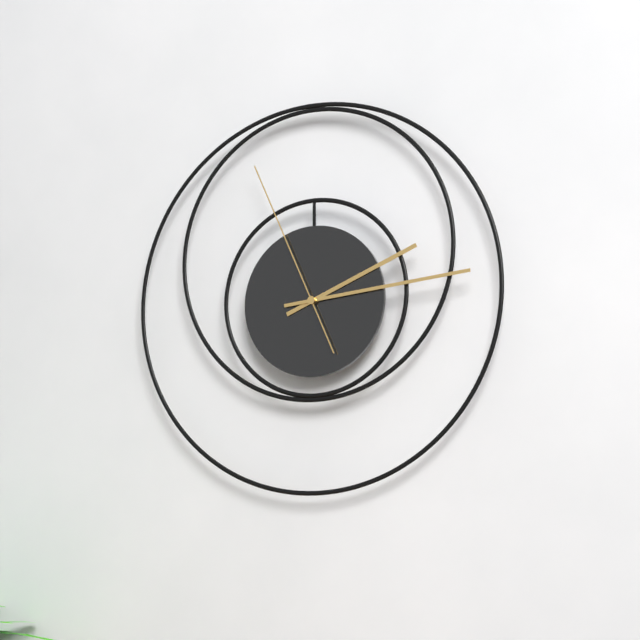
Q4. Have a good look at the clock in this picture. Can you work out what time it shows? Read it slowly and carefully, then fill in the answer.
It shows 2:14:56
